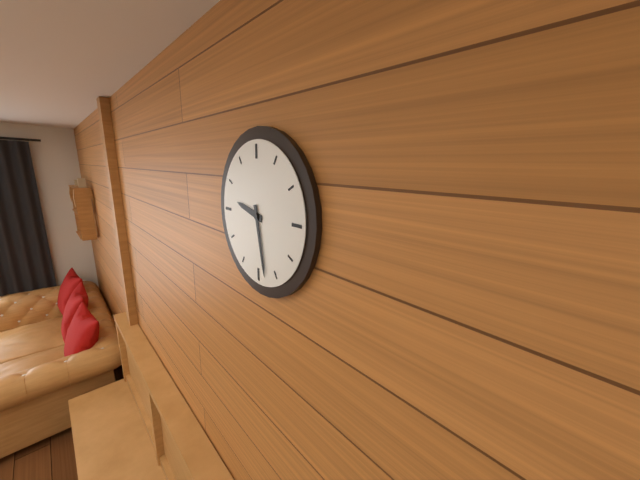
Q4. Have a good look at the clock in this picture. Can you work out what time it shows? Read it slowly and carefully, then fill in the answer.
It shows 9:28
